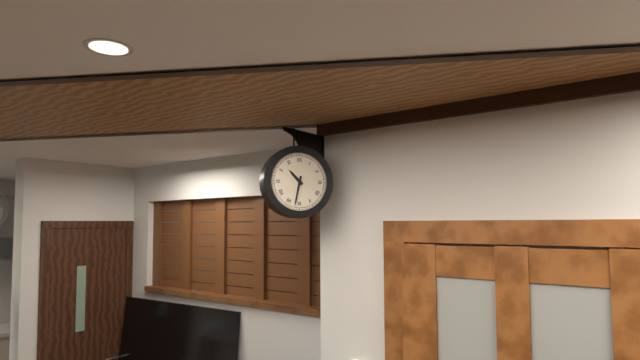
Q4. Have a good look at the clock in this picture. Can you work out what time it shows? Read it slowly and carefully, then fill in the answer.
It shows 10:32
